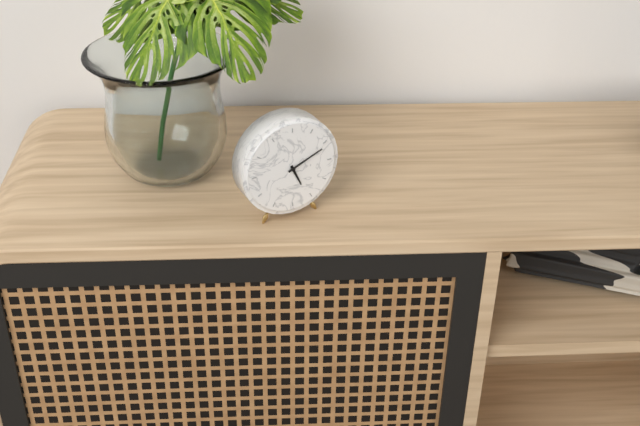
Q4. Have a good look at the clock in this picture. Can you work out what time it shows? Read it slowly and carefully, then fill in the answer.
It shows 5:11
